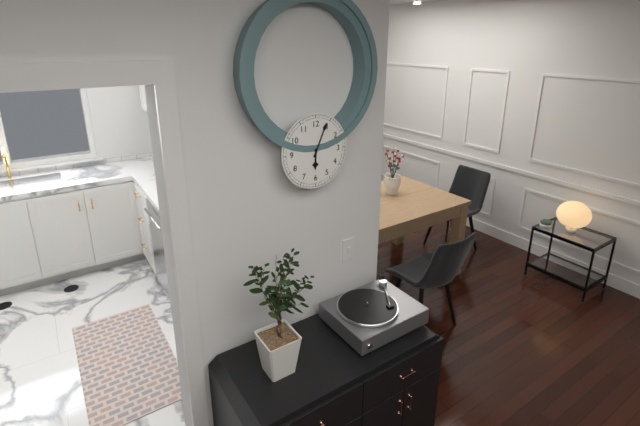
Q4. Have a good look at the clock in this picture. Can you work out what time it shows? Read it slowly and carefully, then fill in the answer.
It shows 6:04
